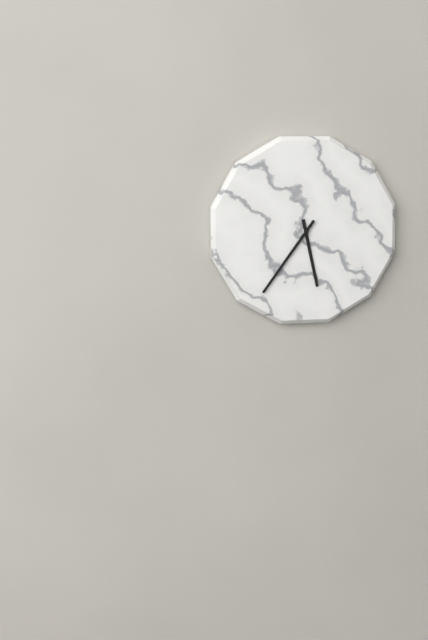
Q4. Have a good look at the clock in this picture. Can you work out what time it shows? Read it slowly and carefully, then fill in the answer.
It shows 5:36
